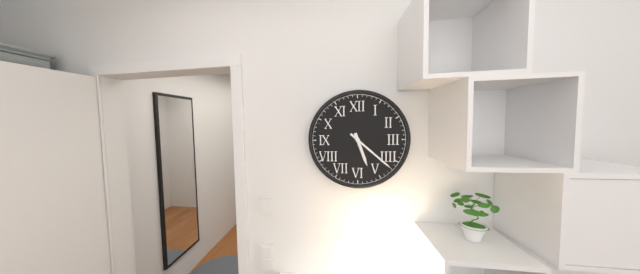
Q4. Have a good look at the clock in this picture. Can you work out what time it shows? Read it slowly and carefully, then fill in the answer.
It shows 5:22
